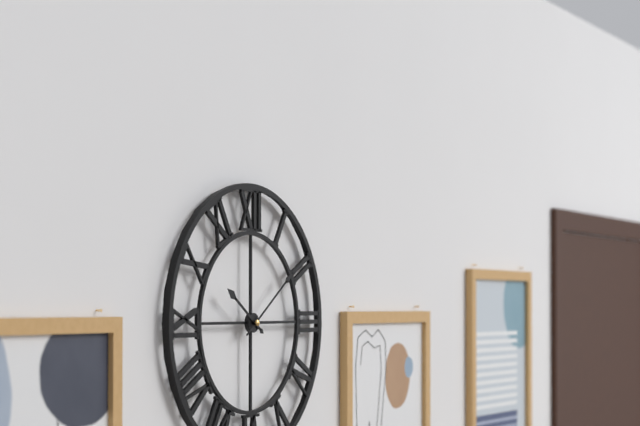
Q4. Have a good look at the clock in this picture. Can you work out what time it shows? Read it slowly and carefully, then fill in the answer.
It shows 10:09
